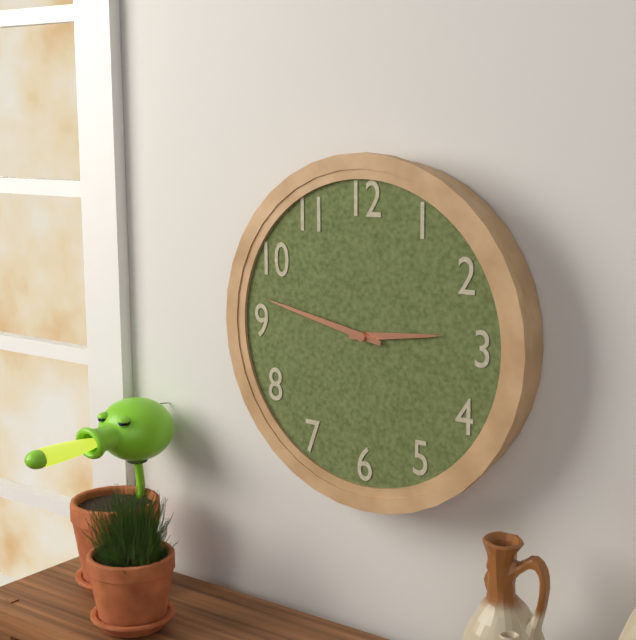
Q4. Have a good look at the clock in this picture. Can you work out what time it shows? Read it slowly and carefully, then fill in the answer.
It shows 2:47
